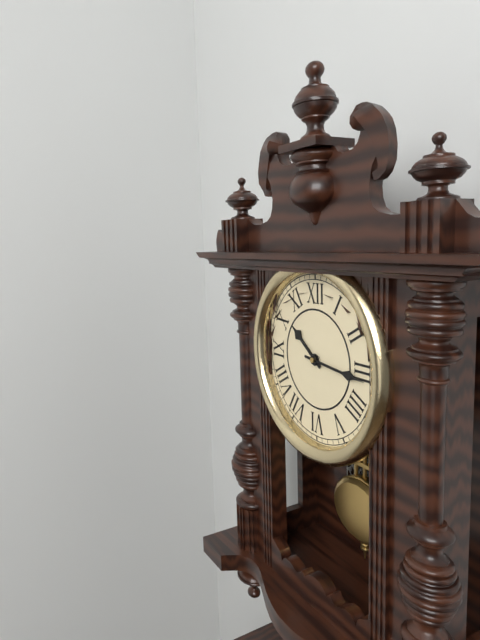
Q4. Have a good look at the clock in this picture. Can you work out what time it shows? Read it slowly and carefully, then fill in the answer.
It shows 10:16
